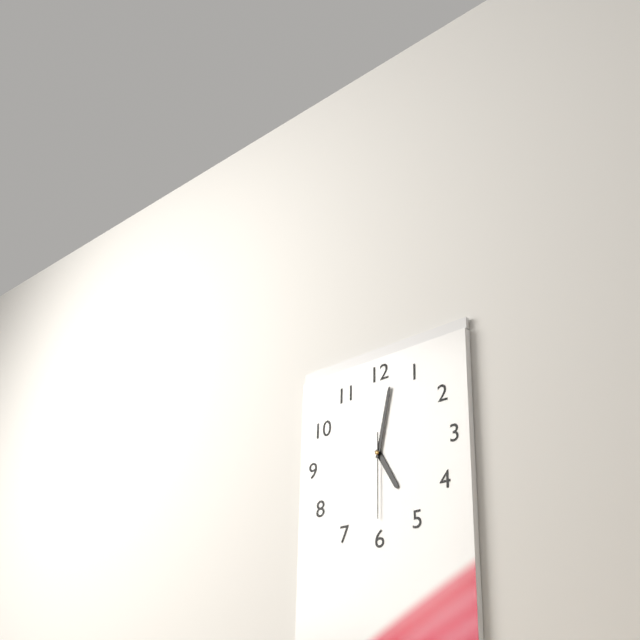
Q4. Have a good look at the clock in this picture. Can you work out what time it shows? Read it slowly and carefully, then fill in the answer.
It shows 5:02:30
